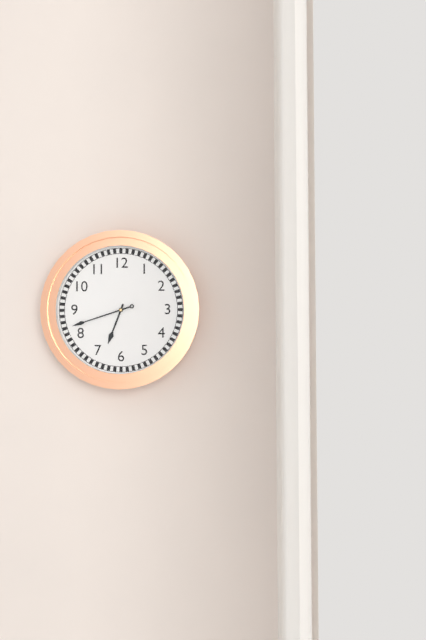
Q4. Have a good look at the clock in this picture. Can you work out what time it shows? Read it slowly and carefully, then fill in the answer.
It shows 6:42
